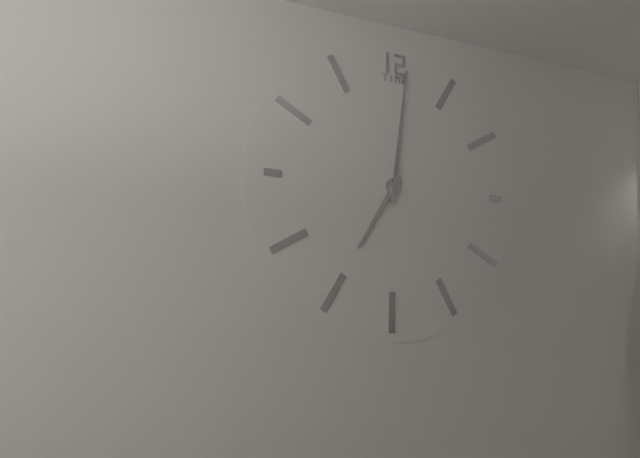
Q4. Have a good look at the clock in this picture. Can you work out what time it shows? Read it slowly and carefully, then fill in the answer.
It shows 7:01
